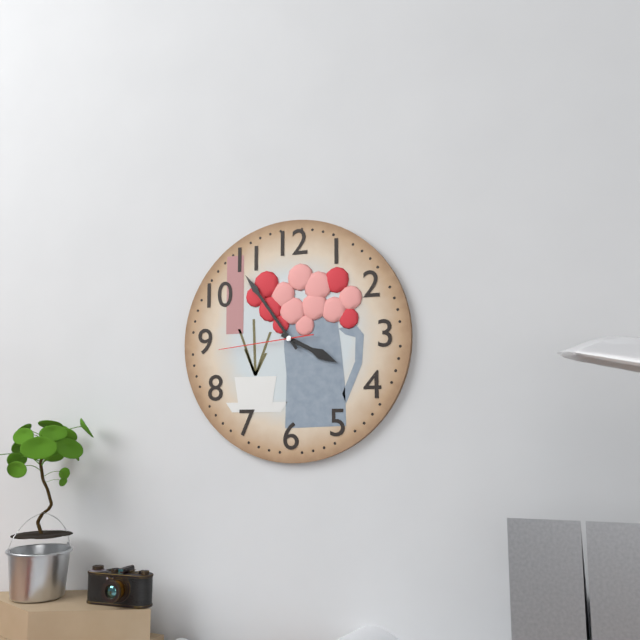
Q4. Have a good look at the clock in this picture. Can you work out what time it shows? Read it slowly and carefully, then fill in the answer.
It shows 3:54:44
